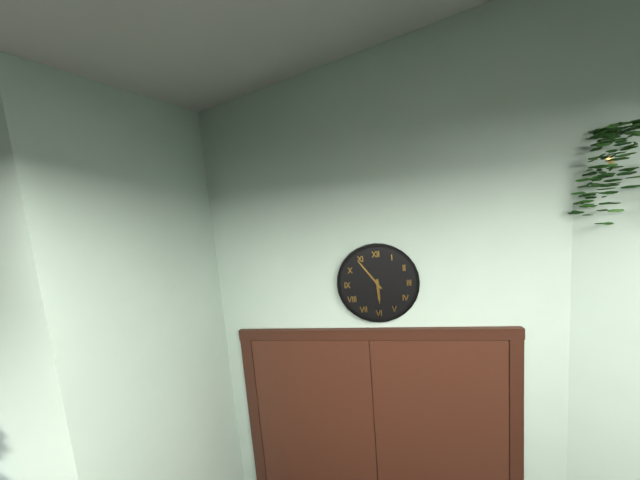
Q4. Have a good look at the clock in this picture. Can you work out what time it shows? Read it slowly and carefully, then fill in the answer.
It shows 5:54
